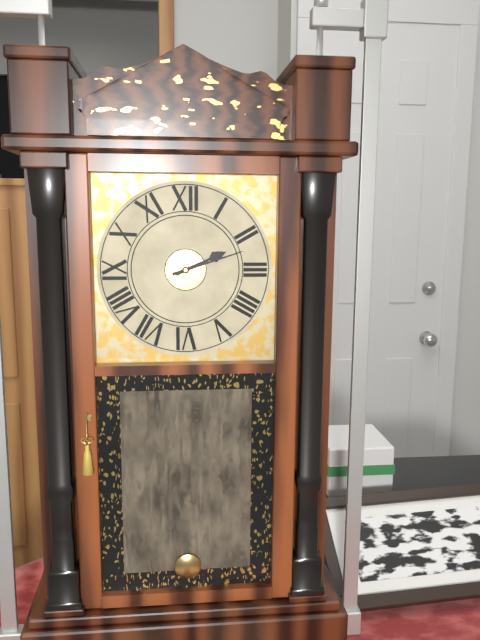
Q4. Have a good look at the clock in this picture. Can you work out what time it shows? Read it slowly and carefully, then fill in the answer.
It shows 2:12
